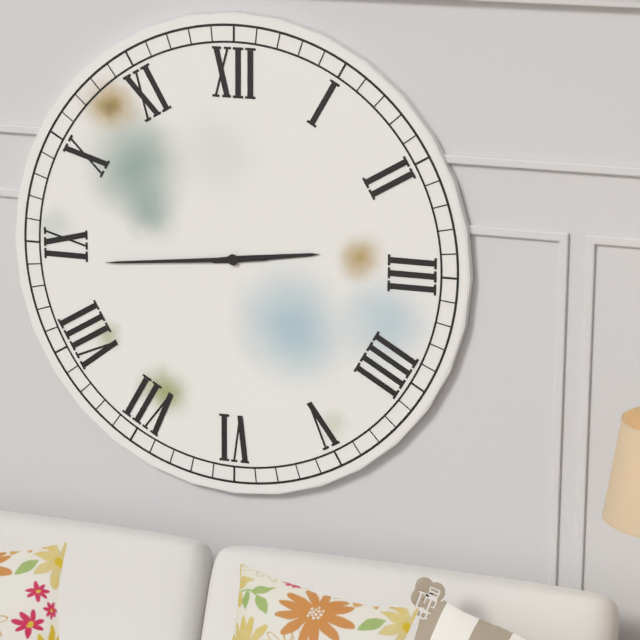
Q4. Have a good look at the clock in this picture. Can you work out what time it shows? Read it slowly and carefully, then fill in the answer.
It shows 2:44
